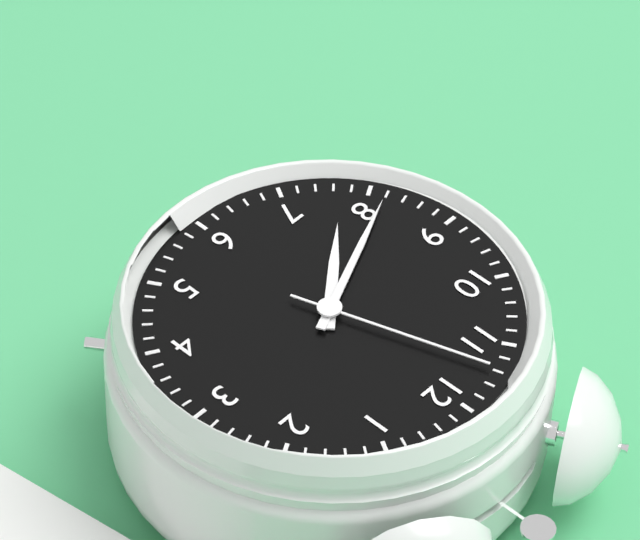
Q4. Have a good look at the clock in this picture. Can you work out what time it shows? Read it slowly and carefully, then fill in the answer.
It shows 7:41:57
